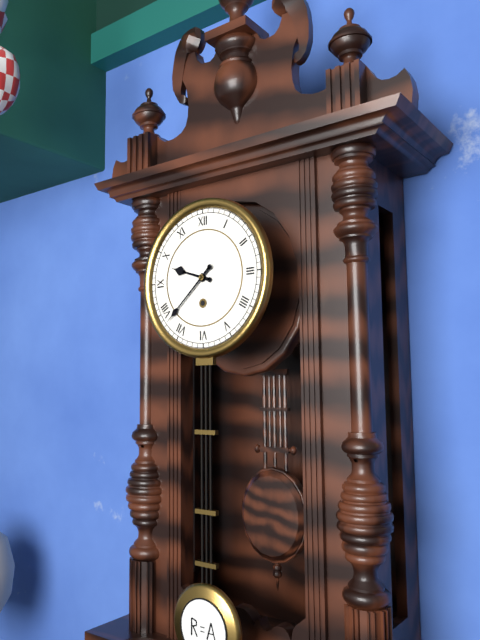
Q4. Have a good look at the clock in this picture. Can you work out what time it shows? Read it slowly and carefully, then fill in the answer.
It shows 9:38
